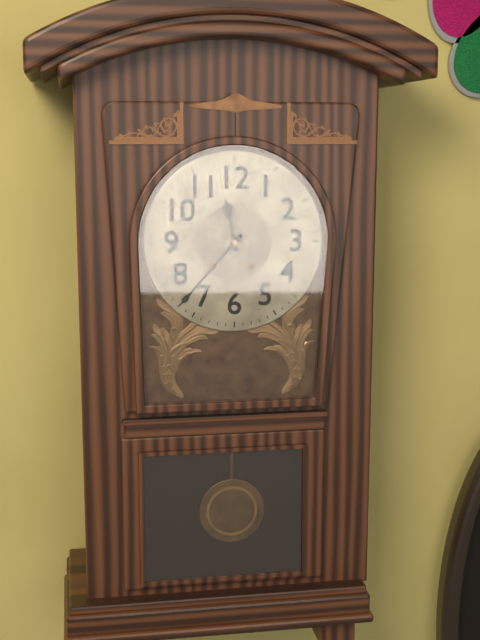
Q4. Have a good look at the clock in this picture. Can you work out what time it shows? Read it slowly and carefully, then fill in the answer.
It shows 11:37
